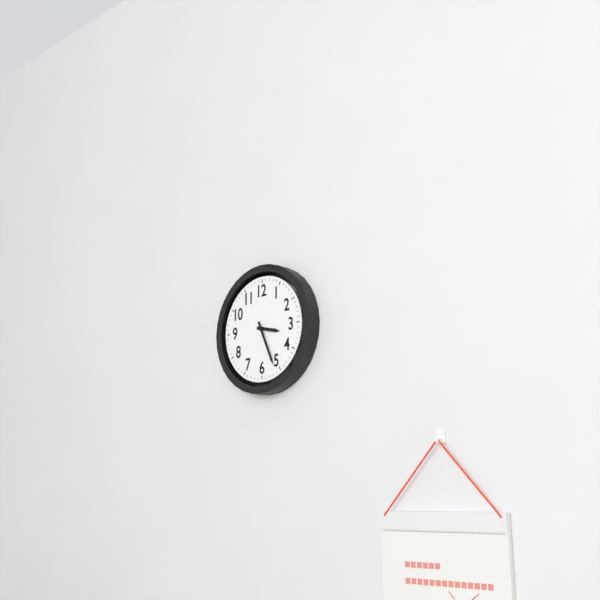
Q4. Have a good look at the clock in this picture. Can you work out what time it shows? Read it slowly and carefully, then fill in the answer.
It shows 3:26
